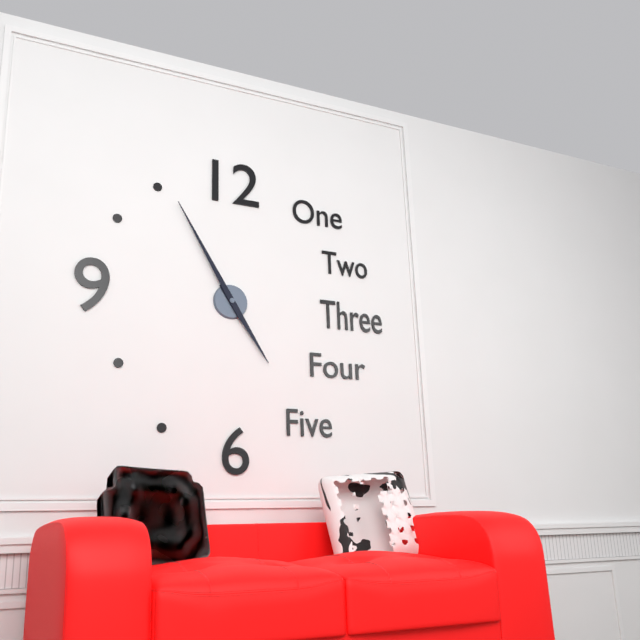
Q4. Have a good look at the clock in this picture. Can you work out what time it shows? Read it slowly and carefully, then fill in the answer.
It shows 4:55
